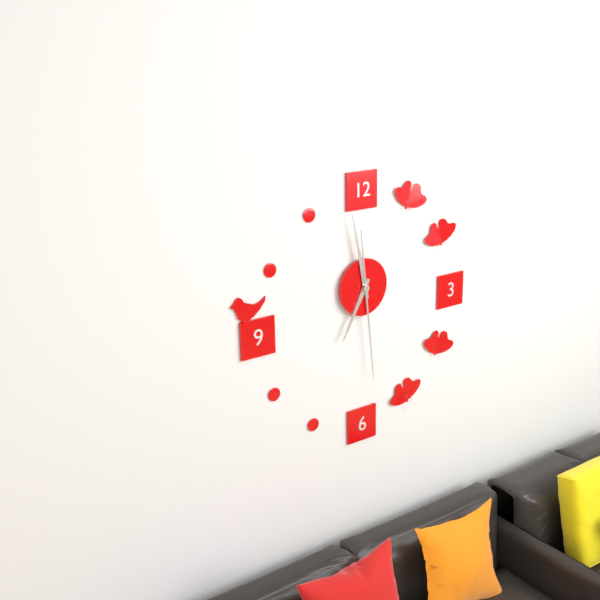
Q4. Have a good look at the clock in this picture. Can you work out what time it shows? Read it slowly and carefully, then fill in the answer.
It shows 6:58:29
